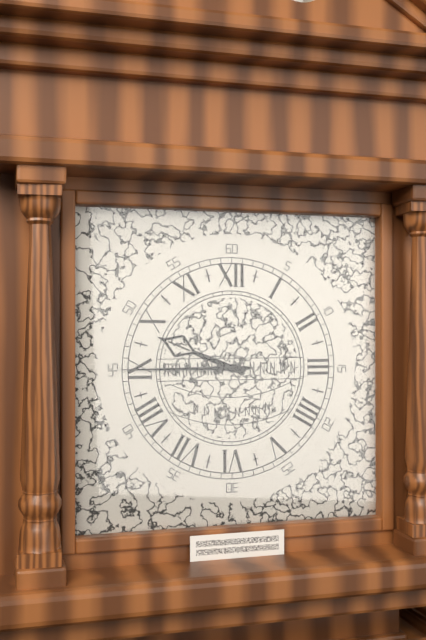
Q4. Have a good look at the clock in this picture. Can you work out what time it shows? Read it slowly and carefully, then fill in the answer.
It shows 9:45
